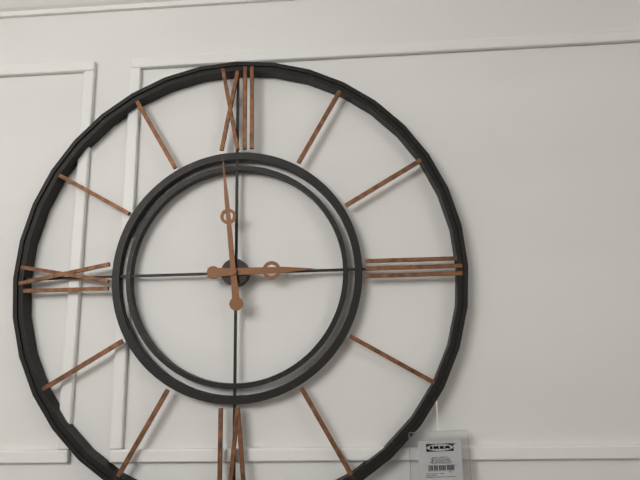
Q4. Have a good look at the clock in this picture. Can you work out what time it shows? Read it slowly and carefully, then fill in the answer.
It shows 2:59
